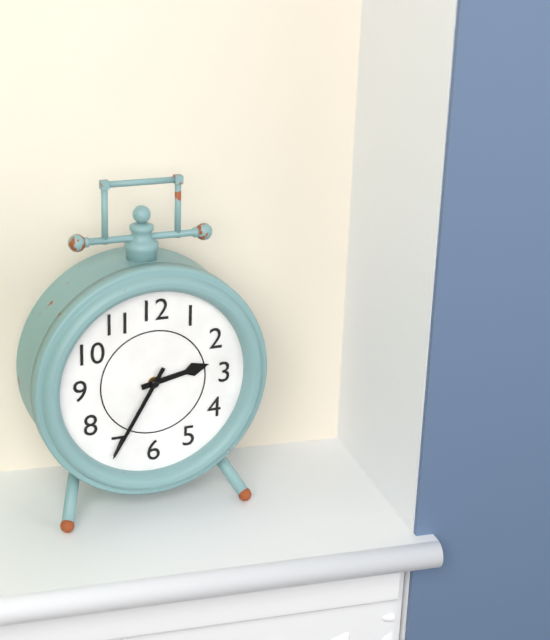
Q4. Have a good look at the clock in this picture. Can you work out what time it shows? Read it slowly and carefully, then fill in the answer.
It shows 2:35
